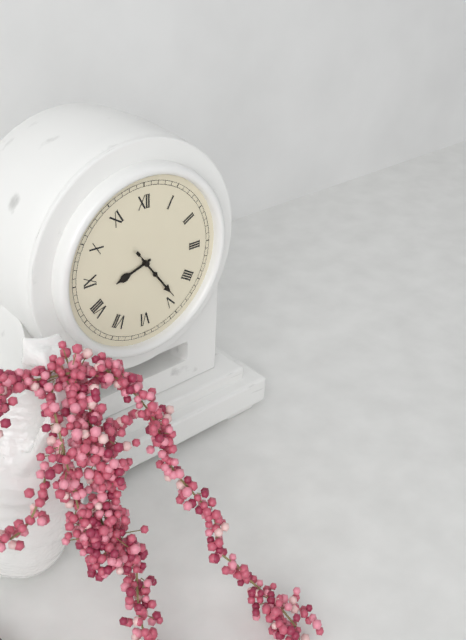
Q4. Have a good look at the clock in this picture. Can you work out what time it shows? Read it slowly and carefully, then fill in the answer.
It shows 8:24:24
